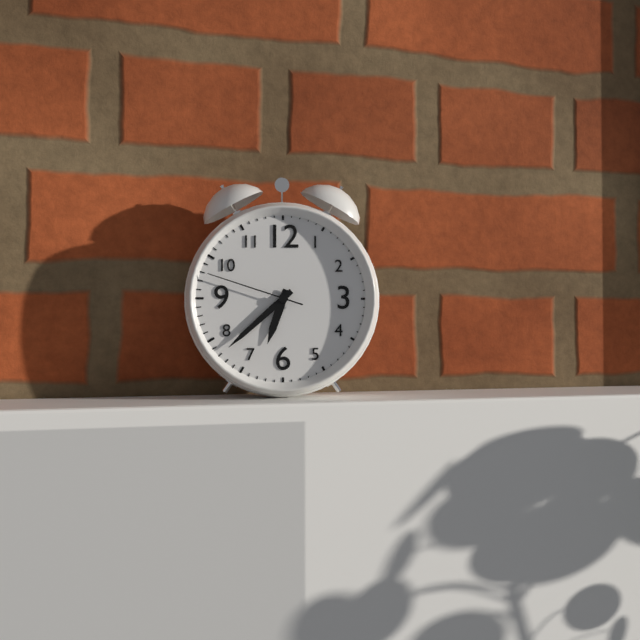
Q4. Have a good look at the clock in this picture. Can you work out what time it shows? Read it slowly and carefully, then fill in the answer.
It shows 6:38:48
